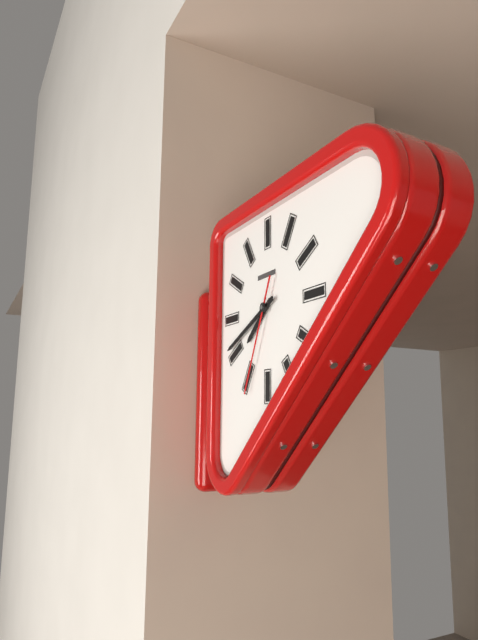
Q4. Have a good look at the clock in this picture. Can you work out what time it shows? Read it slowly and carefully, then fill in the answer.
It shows 7:41:34
